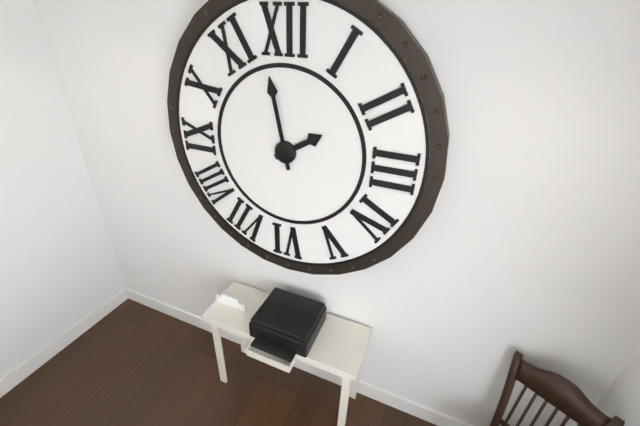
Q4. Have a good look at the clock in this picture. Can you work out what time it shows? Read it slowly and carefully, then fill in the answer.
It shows 1:58
